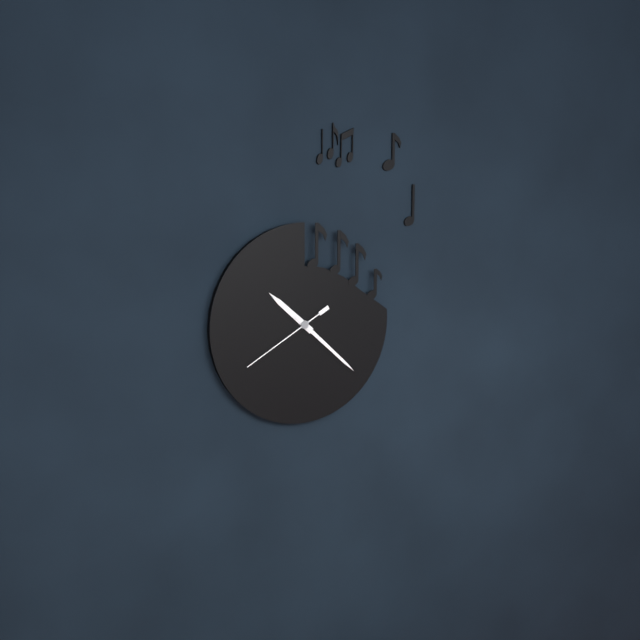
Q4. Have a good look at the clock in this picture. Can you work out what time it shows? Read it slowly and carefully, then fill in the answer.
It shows 10:22:40
